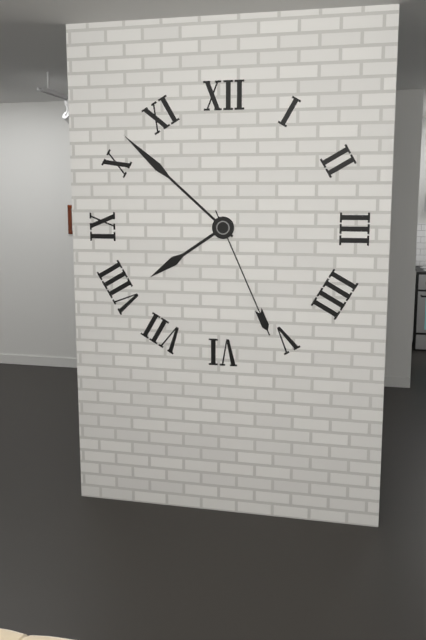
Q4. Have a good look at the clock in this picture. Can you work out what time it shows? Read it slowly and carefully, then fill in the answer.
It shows 7:52:26
